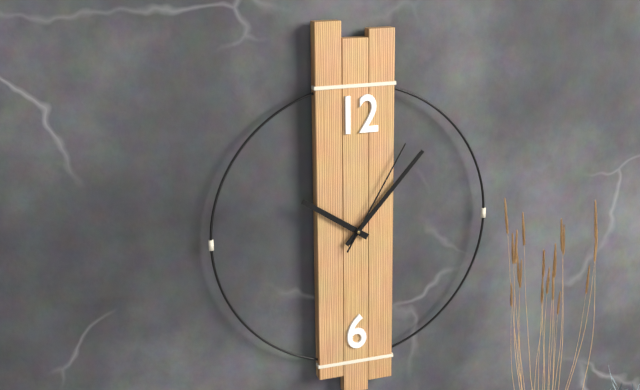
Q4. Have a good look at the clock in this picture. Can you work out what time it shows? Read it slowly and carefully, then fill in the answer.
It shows 10:07:05
